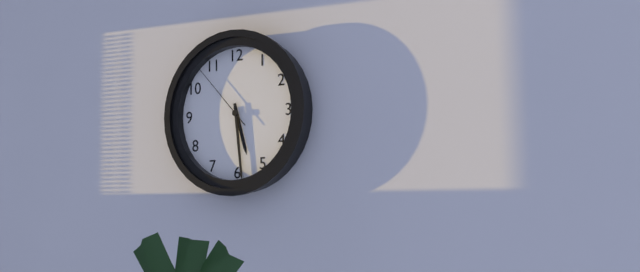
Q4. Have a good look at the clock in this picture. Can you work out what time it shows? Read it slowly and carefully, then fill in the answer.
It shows 5:29:53
